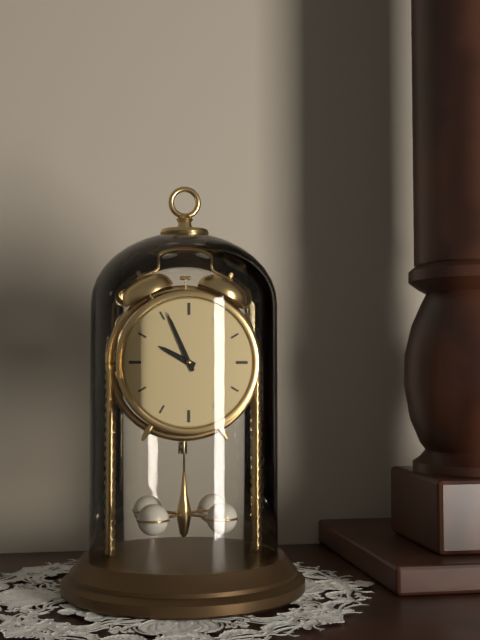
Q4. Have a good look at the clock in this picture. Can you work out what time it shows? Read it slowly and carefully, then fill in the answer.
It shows 9:56
